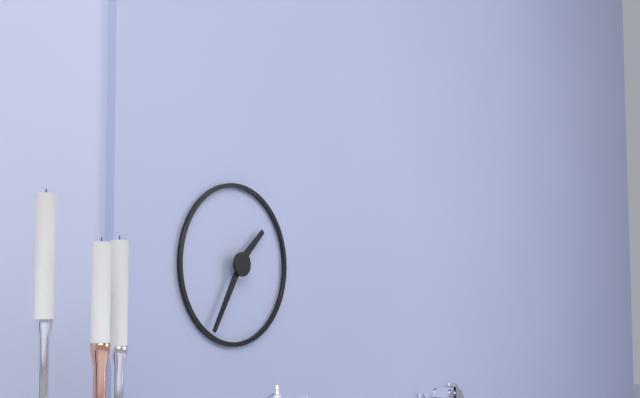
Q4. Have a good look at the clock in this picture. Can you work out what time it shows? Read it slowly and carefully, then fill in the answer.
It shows 1:35
